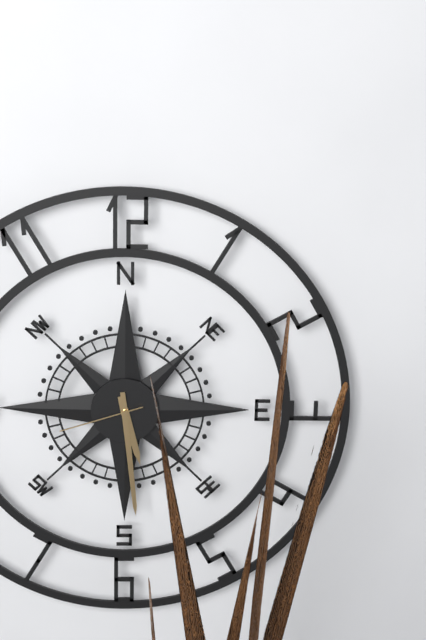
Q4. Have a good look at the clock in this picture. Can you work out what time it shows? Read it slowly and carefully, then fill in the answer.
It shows 5:29:42
